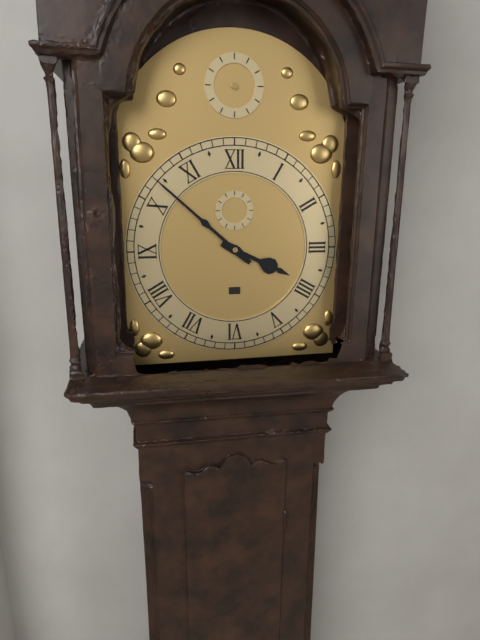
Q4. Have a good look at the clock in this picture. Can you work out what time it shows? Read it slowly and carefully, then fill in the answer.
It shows 3:52
